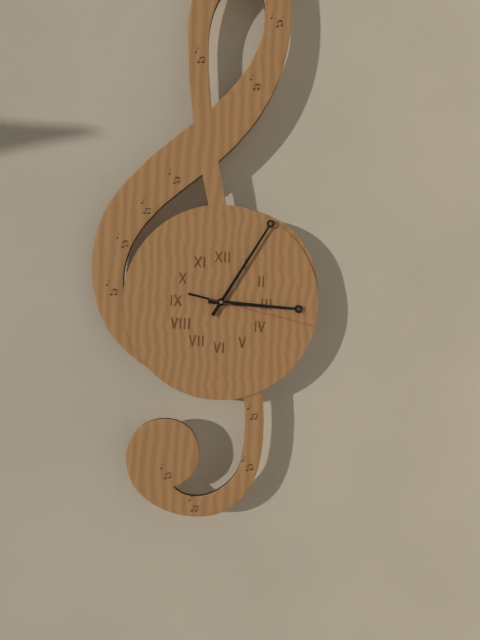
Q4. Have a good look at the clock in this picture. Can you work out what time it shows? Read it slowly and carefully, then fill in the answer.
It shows 3:05:17
